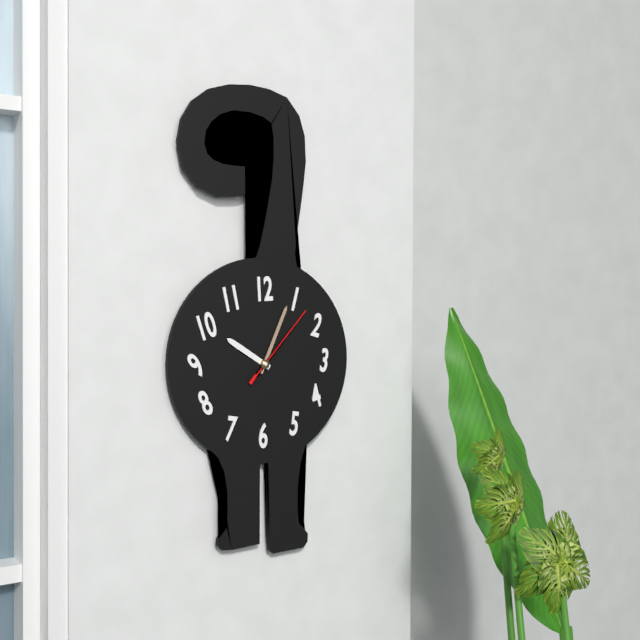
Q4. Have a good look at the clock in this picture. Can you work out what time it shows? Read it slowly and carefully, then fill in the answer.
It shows 10:04:07
